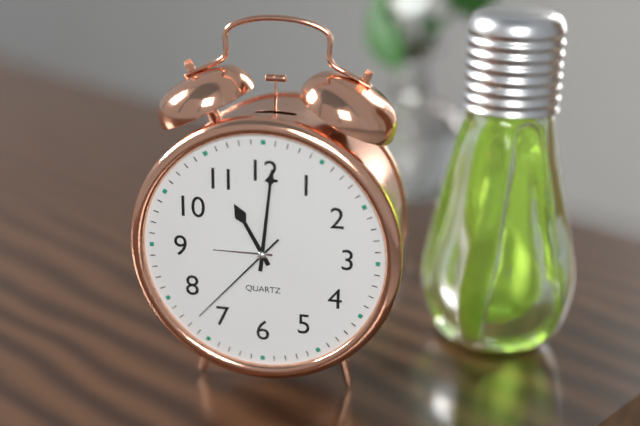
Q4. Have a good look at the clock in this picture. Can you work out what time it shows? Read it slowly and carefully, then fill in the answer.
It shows 11:01:37
